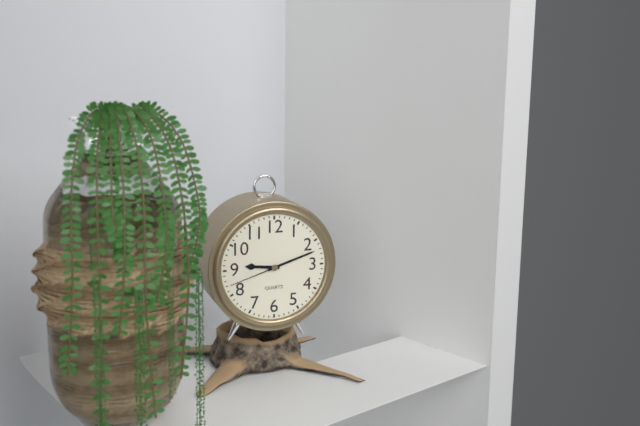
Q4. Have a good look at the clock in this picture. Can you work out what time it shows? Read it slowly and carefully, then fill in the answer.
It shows 9:12:42
